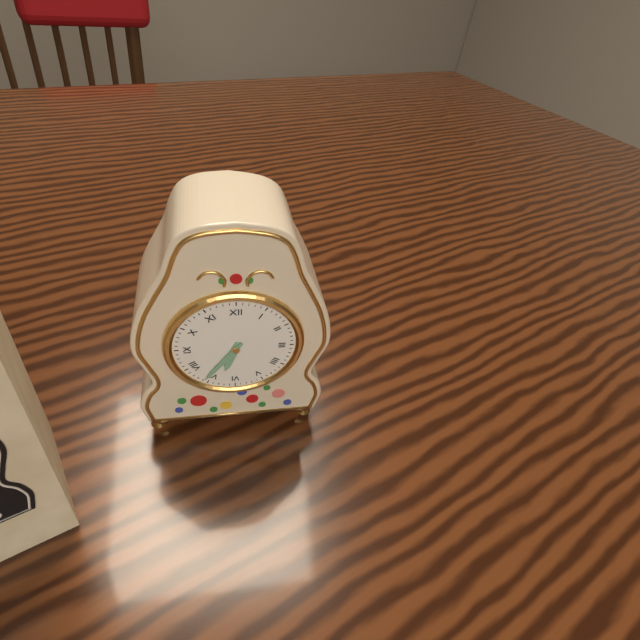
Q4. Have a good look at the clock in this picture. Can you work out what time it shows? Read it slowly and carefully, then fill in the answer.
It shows 6:36
